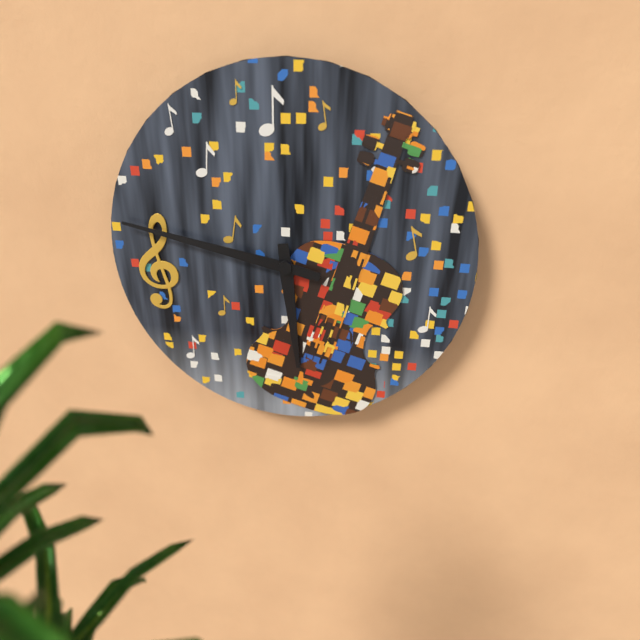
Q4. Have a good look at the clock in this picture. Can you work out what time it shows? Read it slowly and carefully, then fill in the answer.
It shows 5:47
